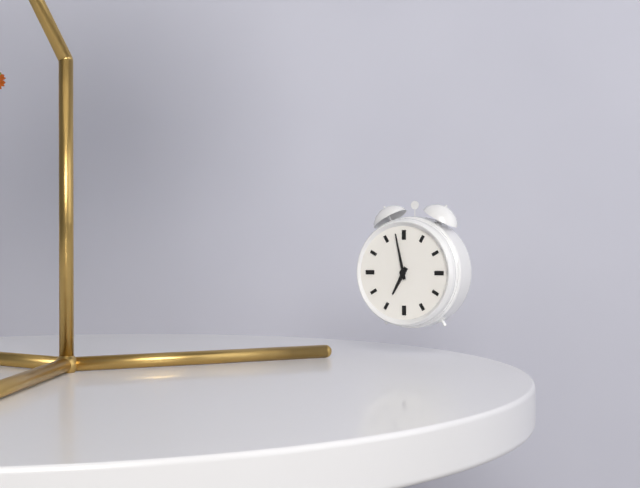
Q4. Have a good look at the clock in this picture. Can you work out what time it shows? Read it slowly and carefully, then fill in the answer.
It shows 6:58
